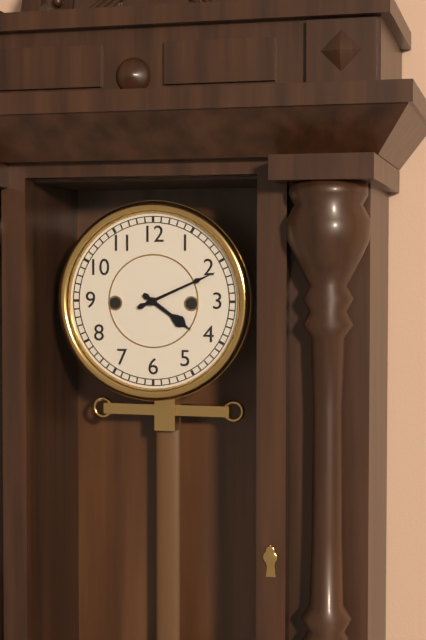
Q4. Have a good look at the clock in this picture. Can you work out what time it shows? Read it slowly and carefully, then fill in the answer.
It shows 4:11
